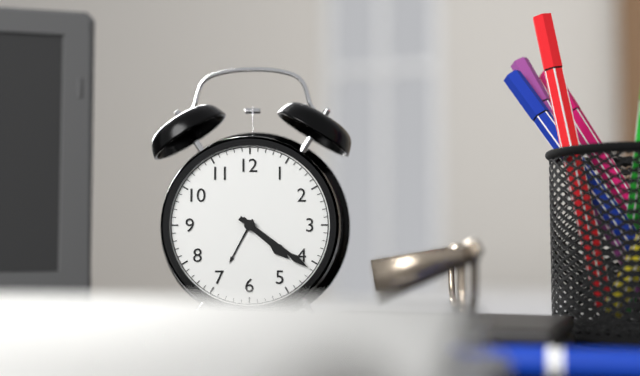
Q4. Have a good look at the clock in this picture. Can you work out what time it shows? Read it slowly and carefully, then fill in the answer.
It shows 4:21
